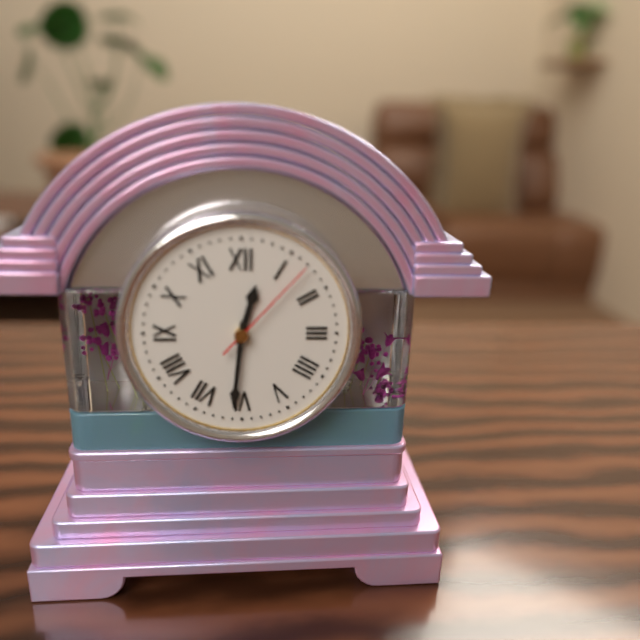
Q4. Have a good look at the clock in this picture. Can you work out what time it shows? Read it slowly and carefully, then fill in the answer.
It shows 12:31:07
